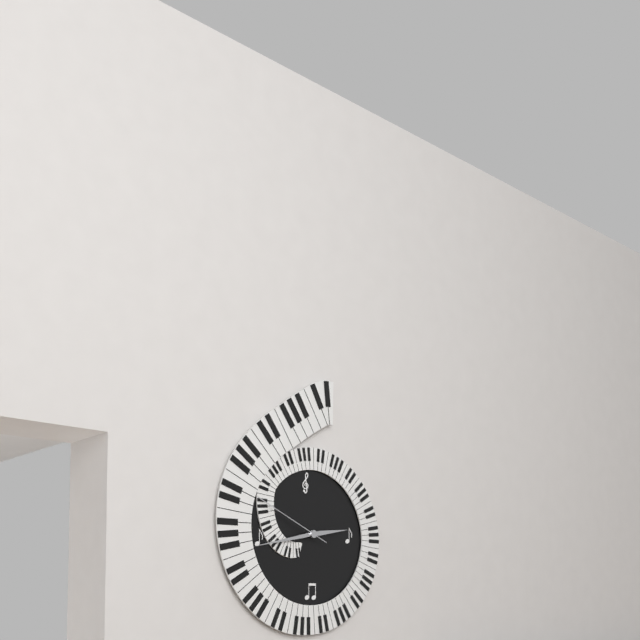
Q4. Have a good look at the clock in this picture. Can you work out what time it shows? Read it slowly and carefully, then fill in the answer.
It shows 2:43:49
